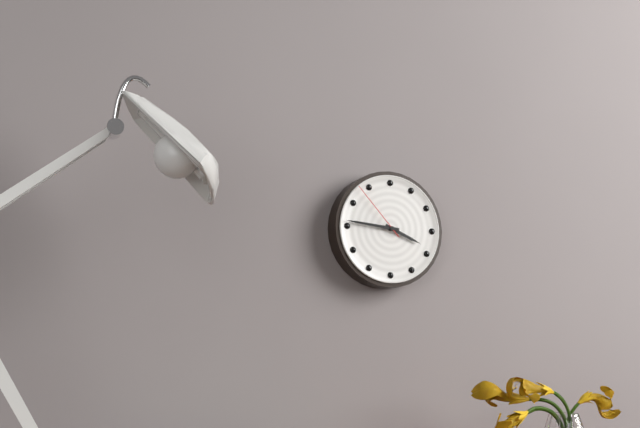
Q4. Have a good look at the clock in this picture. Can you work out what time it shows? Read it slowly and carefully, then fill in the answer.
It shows 3:46:53
